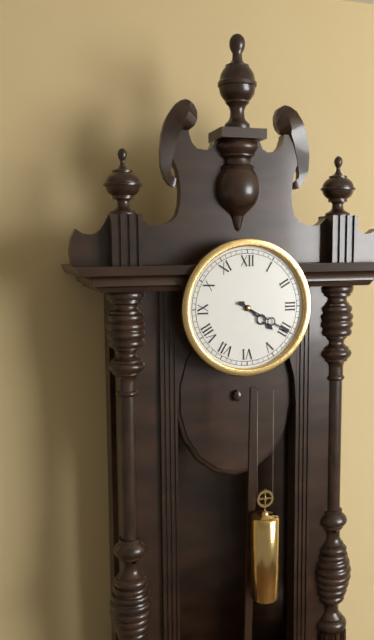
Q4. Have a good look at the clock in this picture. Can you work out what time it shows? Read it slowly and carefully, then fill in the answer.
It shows 4:20
